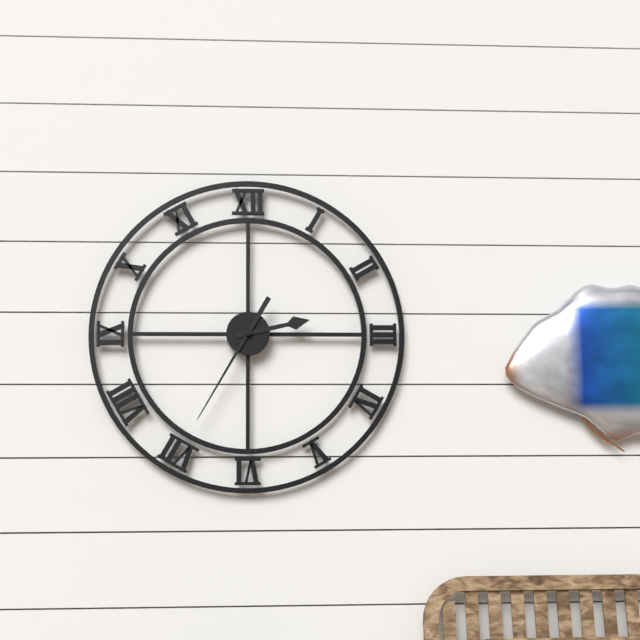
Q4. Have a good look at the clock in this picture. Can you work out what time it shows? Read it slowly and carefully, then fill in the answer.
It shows 2:35
